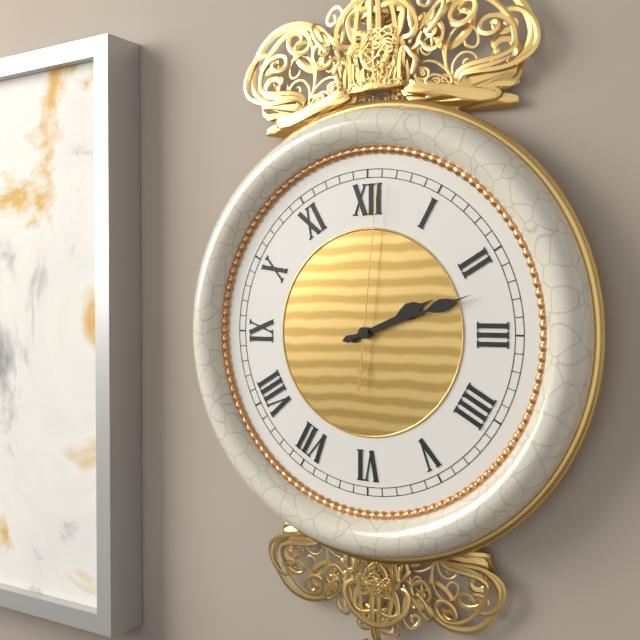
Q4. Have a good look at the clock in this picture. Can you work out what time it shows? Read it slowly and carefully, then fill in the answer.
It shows 2:12:01
